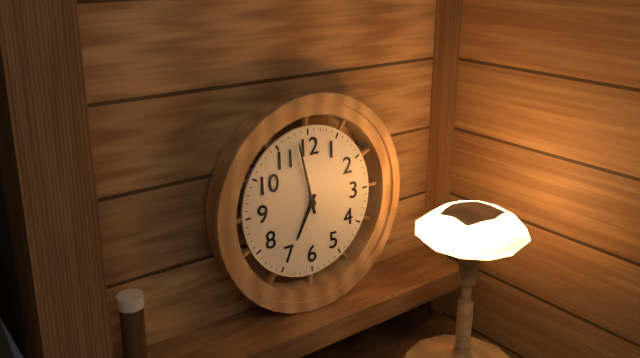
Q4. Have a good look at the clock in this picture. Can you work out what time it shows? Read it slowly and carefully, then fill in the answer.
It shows 6:58
